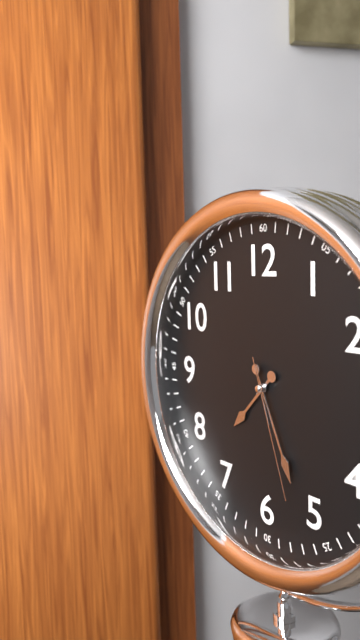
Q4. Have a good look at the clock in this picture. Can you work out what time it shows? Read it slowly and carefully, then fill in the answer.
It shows 7:26:27
